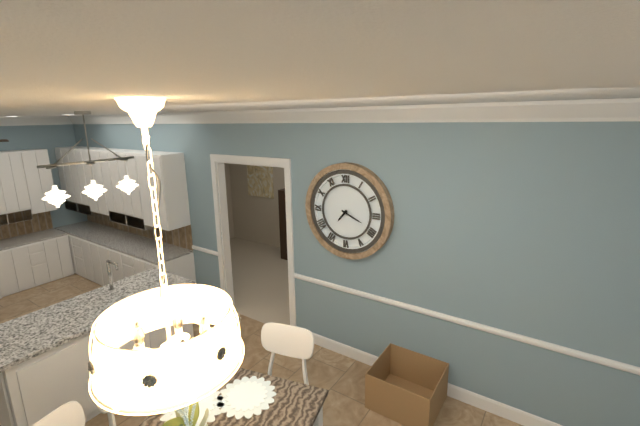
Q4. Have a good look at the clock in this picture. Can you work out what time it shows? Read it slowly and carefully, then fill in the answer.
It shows 7:19
